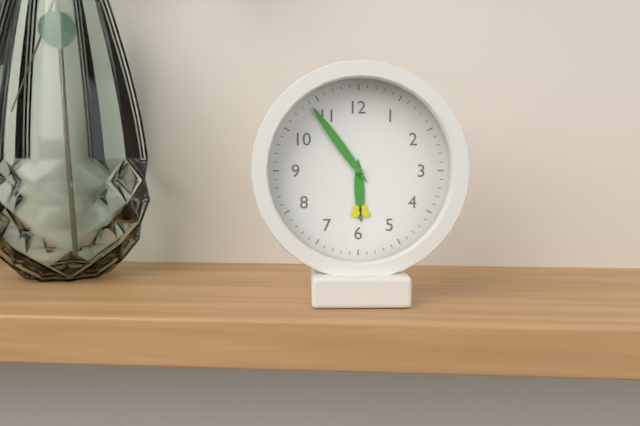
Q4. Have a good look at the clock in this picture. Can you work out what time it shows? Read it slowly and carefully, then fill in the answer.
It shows 5:54
